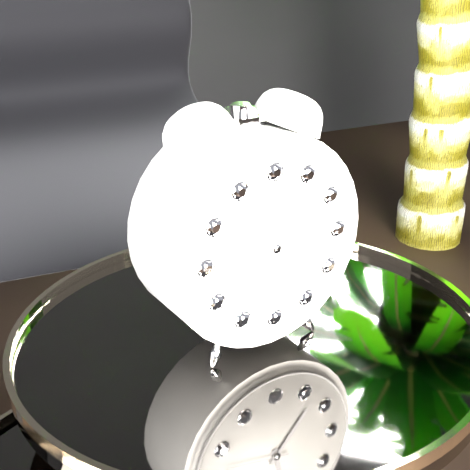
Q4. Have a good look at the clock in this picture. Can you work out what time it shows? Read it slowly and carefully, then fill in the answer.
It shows 12:23:43
